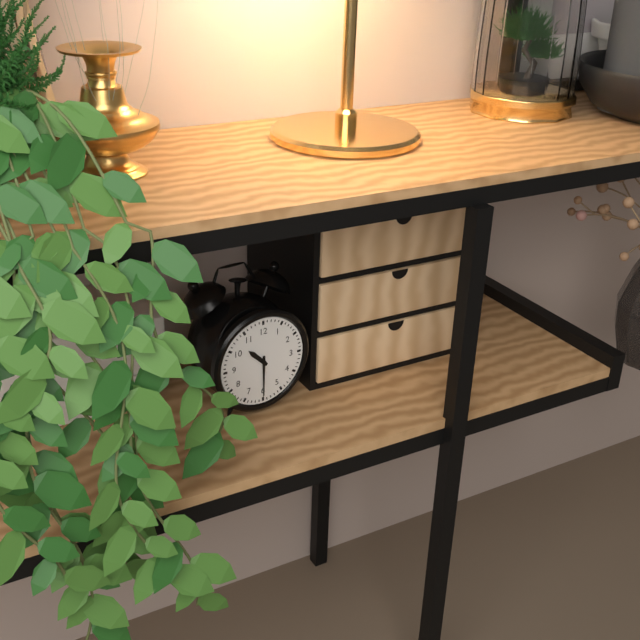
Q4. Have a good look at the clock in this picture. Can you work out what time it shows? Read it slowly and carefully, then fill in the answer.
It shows 10:30
